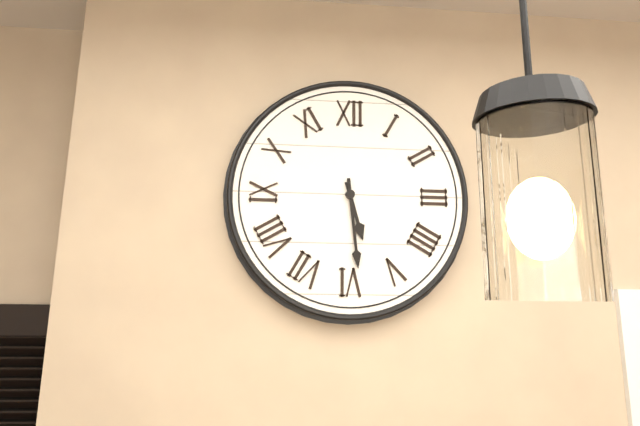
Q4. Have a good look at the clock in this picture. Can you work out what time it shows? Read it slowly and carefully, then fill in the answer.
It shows 5:29
